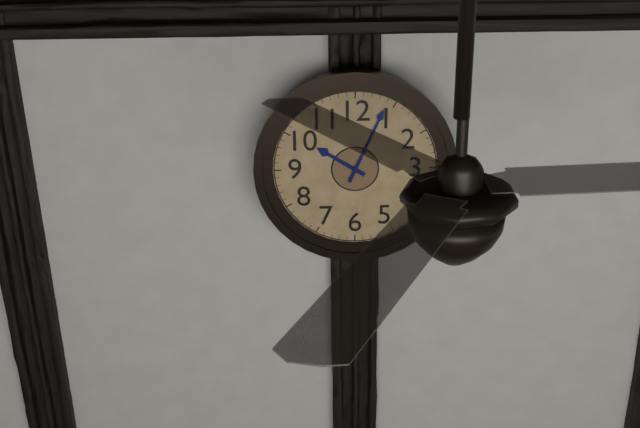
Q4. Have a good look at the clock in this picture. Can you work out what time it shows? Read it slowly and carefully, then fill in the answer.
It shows 10:04
